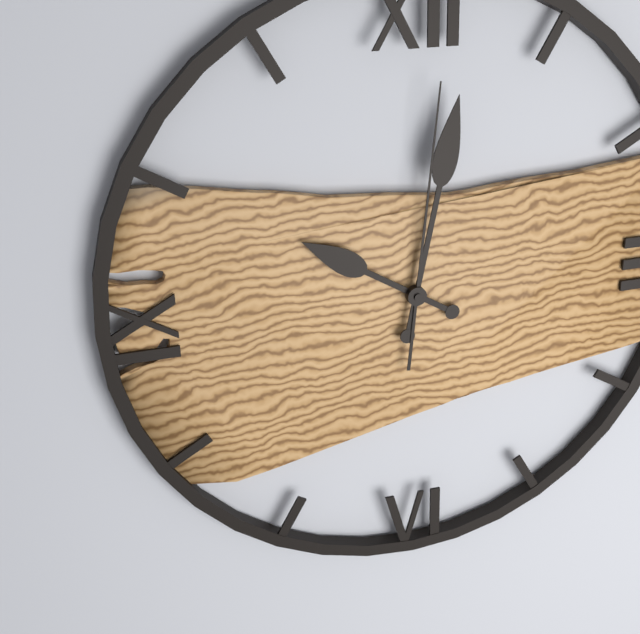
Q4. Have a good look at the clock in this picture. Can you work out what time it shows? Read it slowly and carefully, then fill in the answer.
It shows 10:02:01
